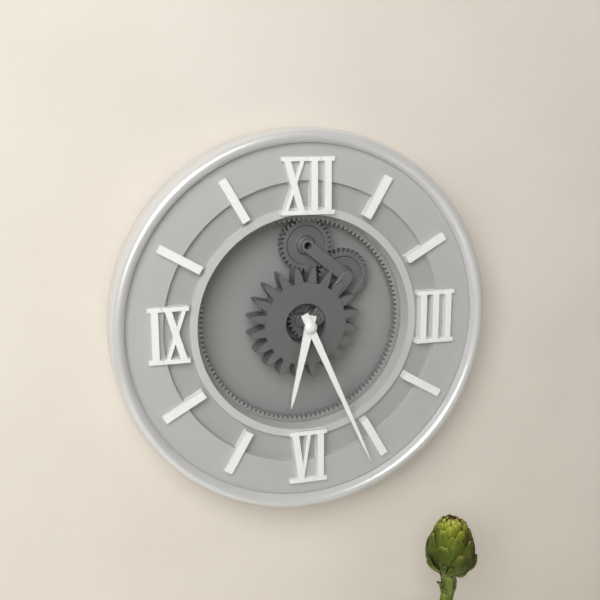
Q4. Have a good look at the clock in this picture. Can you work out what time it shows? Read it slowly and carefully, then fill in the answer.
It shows 6:26
